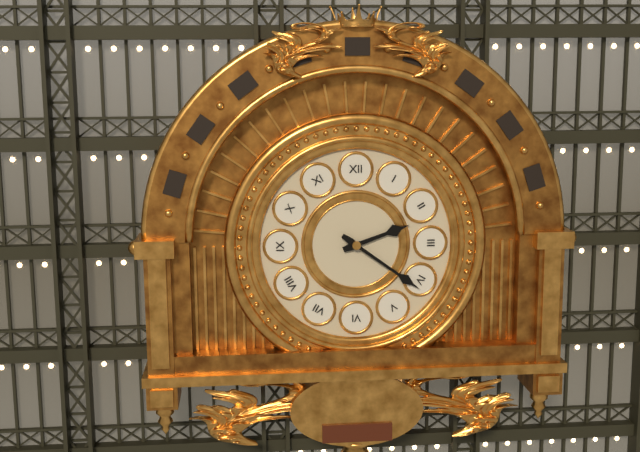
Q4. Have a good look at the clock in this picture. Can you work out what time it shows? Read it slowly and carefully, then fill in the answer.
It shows 2:21
